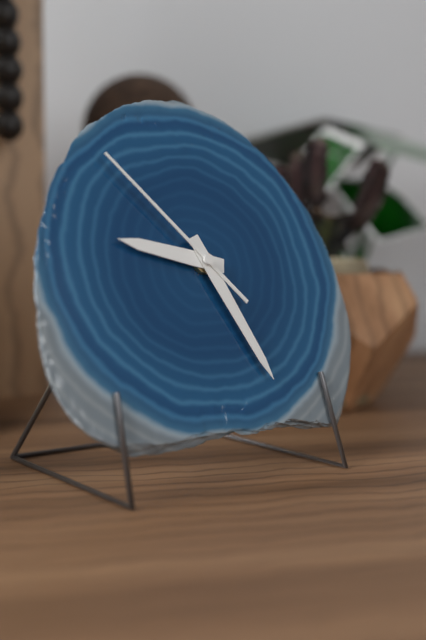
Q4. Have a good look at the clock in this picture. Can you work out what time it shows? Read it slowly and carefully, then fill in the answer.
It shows 9:26:53
